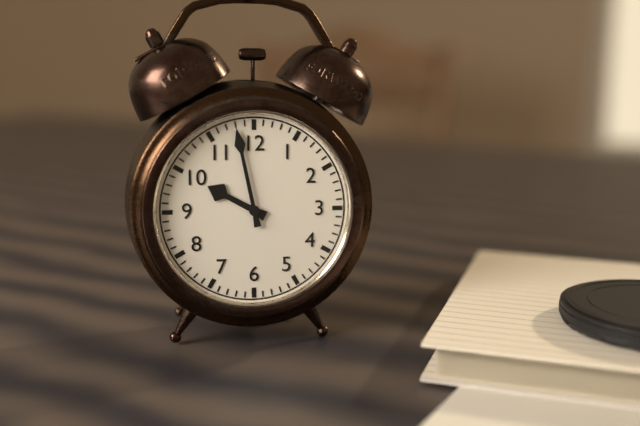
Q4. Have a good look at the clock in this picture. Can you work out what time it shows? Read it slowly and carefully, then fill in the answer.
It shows 9:58
